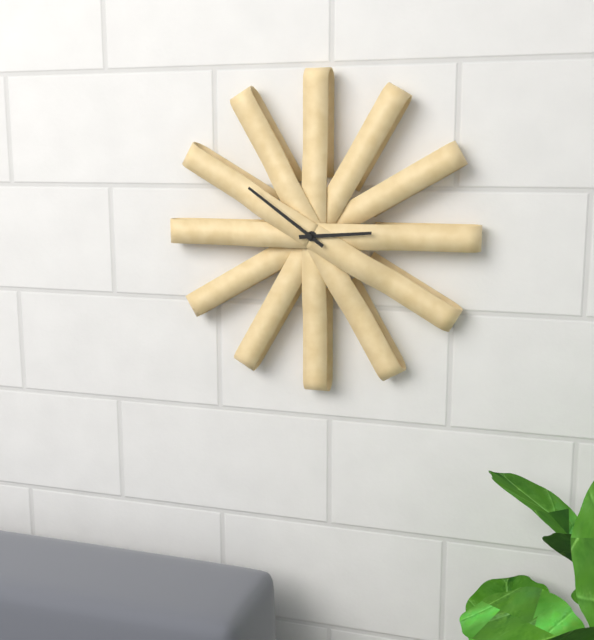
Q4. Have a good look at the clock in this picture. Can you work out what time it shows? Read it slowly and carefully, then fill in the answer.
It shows 2:51
